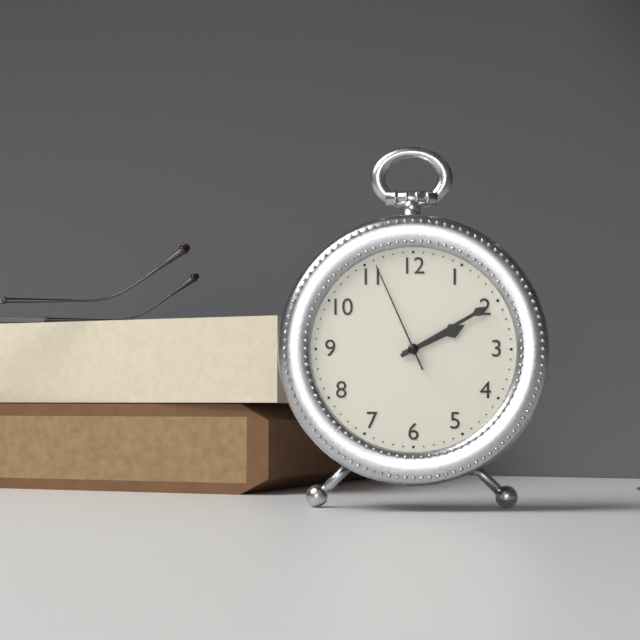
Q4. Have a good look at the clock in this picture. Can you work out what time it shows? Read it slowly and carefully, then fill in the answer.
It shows 2:10:56
